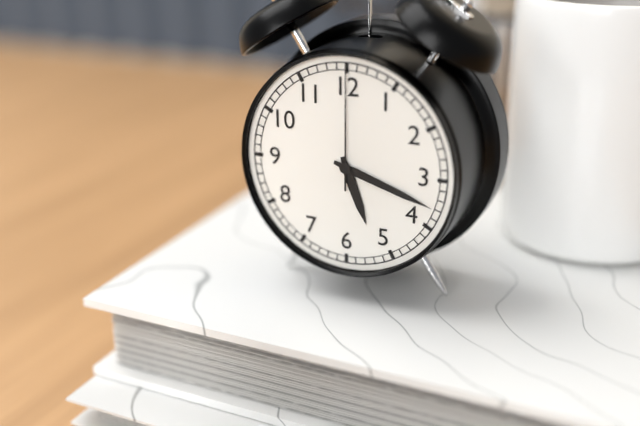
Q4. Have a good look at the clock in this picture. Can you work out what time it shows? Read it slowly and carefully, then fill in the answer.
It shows 5:18:00
